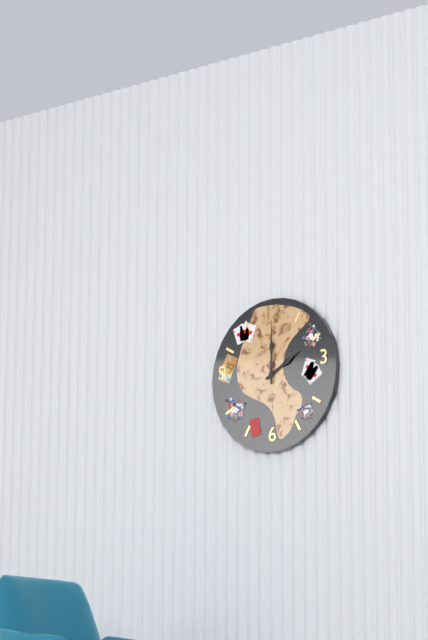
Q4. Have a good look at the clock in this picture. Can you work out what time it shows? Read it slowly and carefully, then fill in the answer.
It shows 2:00
